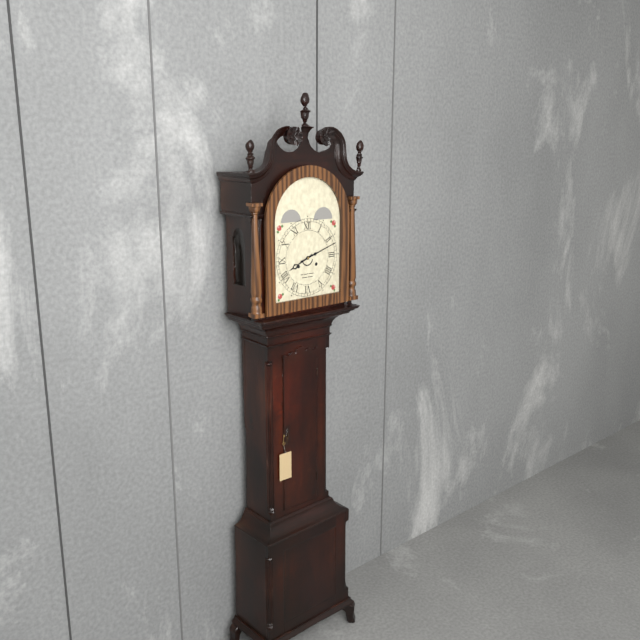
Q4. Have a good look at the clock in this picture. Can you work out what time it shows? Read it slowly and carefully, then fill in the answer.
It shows 8:12
